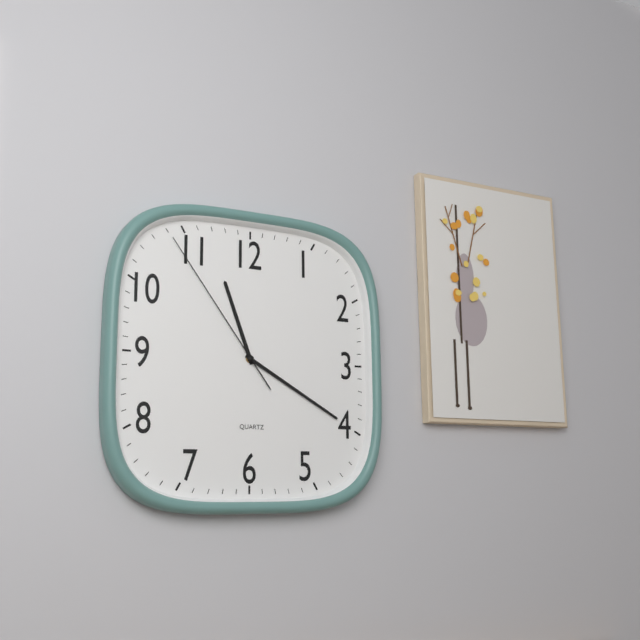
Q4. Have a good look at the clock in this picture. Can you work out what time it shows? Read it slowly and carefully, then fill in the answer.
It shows 11:20:54
